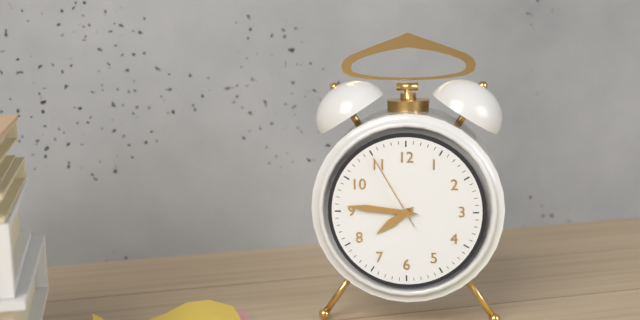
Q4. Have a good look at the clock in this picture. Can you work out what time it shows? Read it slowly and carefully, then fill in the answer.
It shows 7:46:55
